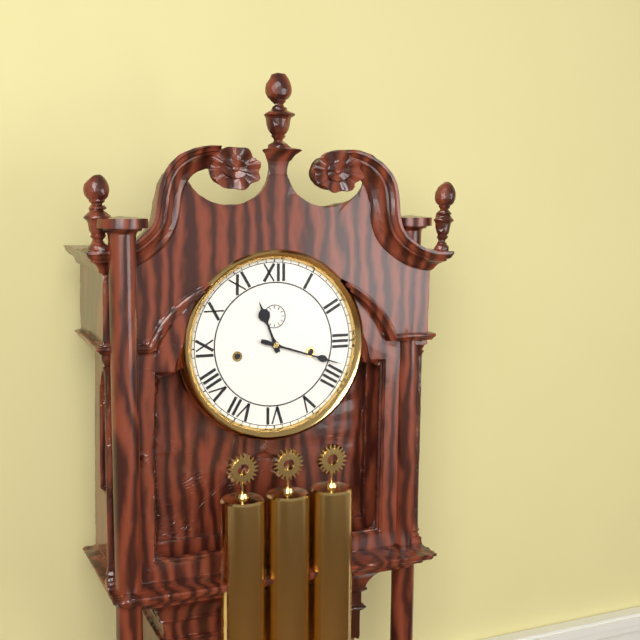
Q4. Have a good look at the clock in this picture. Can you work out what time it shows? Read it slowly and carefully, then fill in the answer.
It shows 11:18
